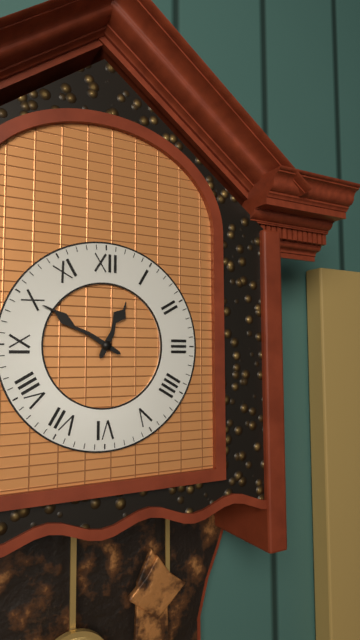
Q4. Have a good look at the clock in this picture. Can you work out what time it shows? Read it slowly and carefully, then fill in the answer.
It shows 12:50
